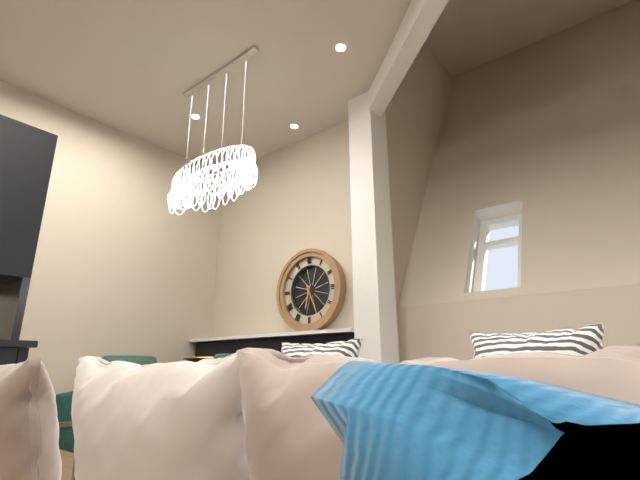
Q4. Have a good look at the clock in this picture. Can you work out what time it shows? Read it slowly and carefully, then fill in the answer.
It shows 6:26
